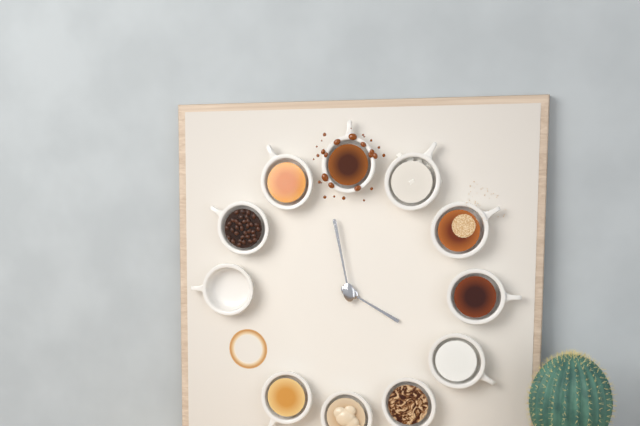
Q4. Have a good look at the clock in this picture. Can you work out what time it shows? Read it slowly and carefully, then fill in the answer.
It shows 3:58
